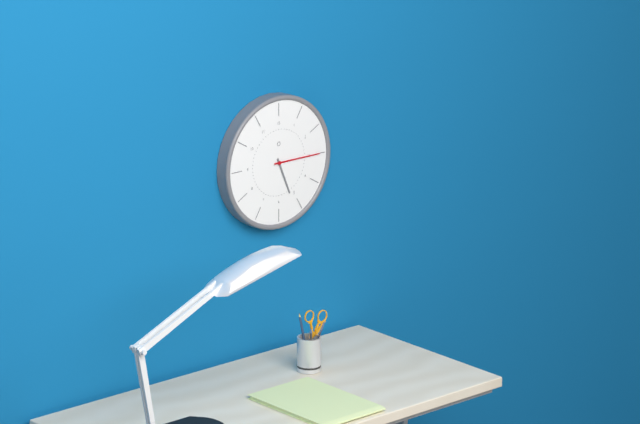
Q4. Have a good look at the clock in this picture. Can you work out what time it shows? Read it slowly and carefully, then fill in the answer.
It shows 5:15
